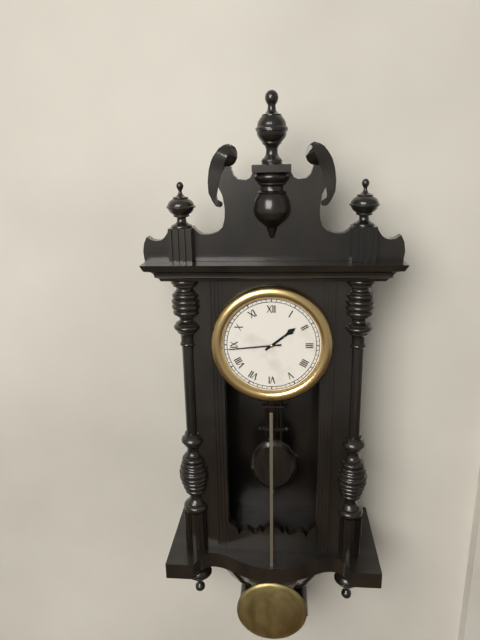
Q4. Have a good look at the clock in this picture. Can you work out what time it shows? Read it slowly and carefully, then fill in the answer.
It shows 1:44
